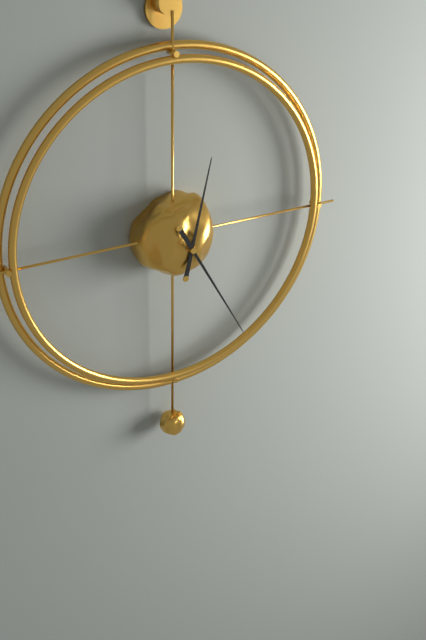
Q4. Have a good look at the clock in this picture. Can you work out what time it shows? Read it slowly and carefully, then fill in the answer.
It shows 12:25
